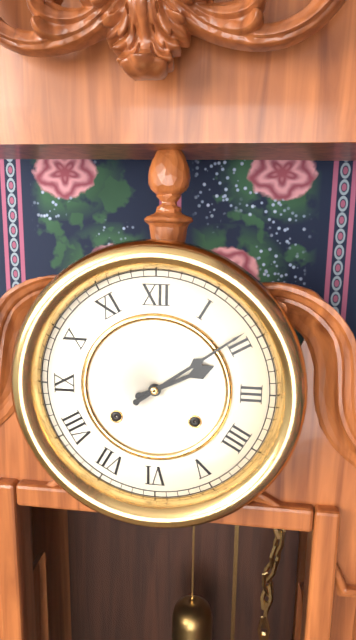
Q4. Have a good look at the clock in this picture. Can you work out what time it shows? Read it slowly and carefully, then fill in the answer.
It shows 2:09
